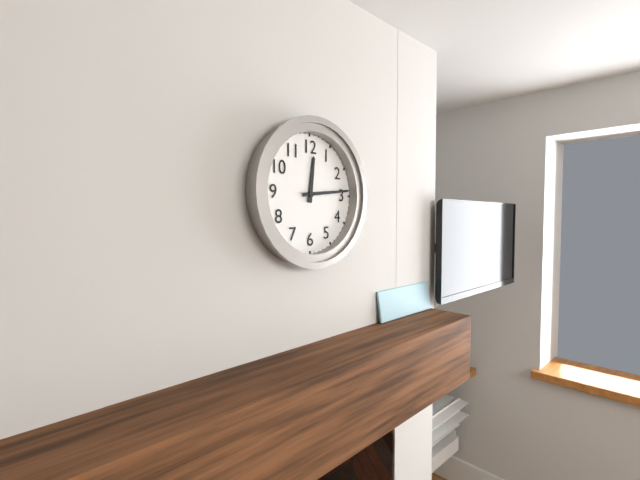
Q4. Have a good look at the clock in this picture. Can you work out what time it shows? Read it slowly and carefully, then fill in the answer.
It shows 12:14
